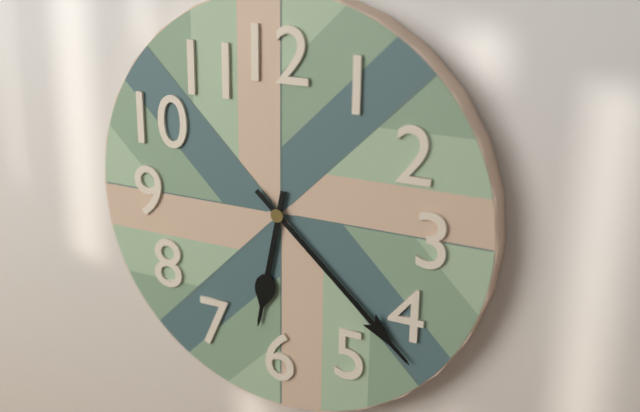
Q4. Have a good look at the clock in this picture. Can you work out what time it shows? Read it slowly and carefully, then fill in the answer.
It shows 6:22
